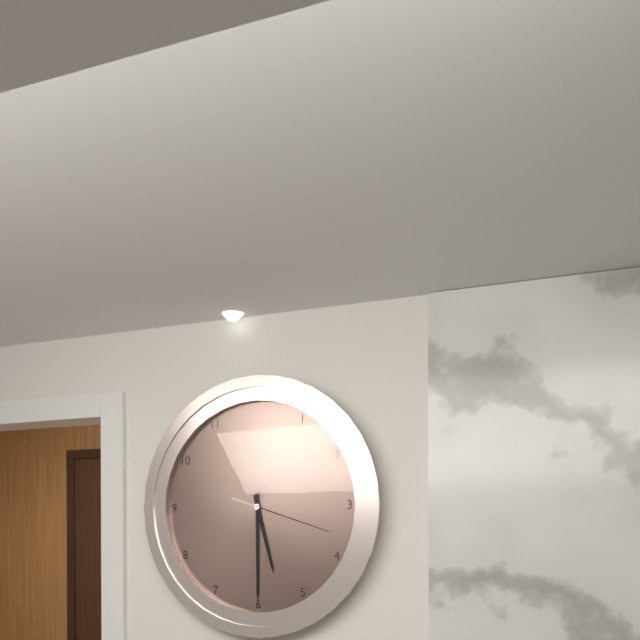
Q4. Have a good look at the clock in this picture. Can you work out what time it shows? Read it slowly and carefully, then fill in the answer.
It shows 5:30:18
